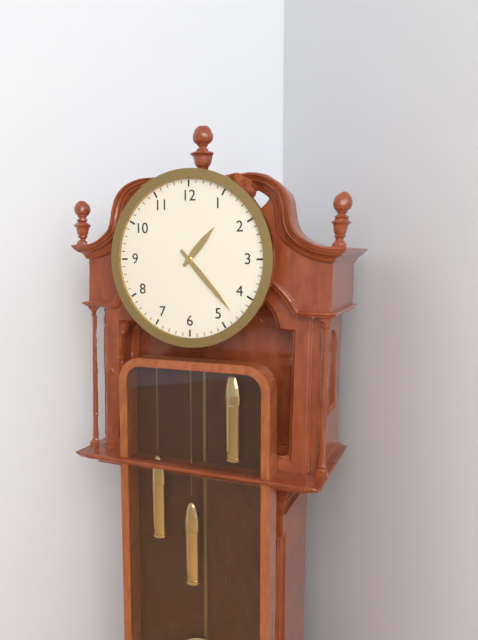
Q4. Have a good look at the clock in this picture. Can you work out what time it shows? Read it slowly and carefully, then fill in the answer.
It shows 1:23
